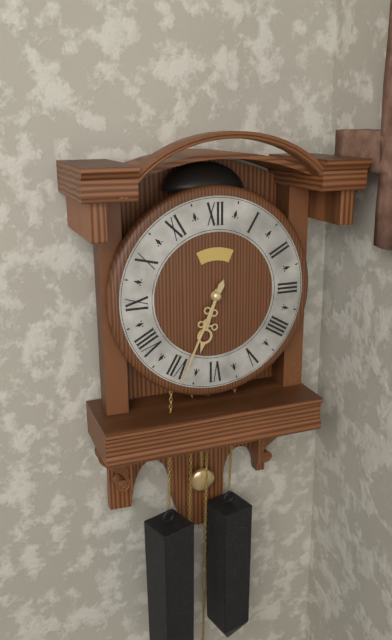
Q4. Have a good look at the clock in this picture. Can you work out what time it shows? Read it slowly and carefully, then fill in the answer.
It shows 6:34
